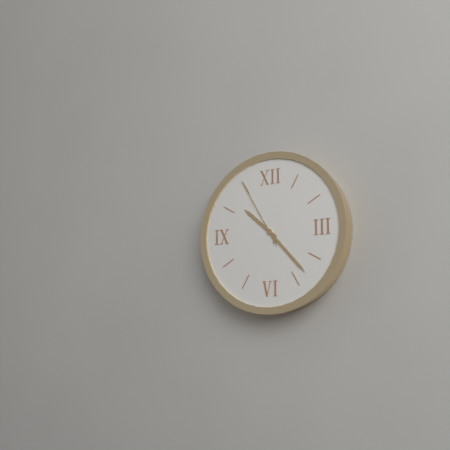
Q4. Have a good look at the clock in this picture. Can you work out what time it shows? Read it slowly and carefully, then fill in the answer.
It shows 10:23:55
